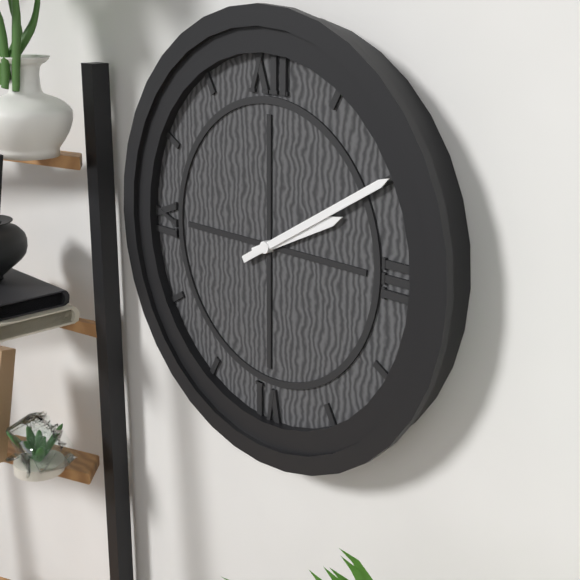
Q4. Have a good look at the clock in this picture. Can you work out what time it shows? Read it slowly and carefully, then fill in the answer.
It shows 2:10
